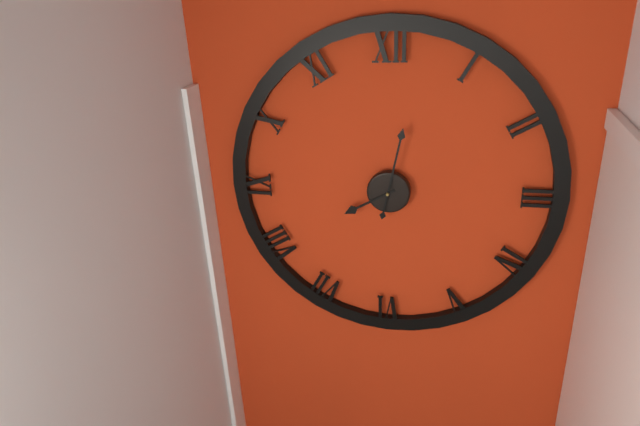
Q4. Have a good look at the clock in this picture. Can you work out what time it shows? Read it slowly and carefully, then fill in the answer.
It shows 8:02
